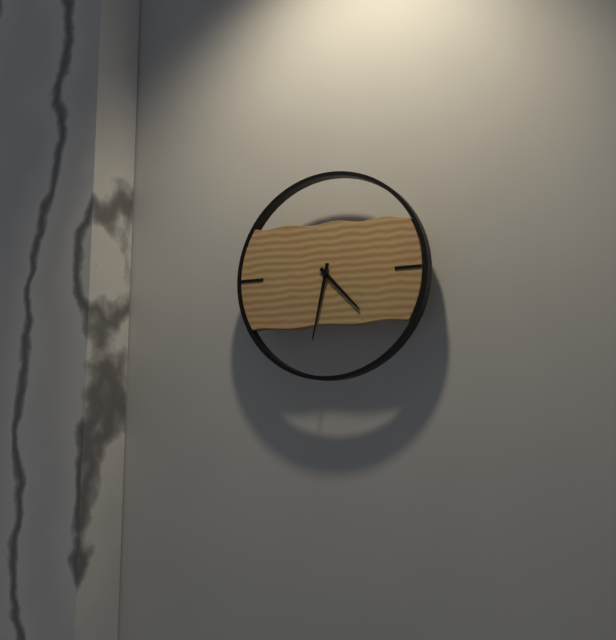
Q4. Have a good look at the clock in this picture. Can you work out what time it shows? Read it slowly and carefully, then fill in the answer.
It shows 4:32
